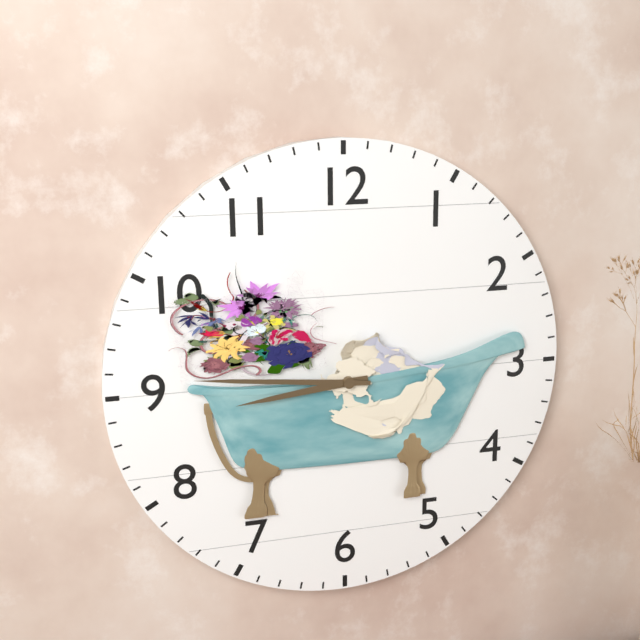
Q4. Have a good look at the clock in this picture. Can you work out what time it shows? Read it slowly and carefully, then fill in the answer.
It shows 8:46
